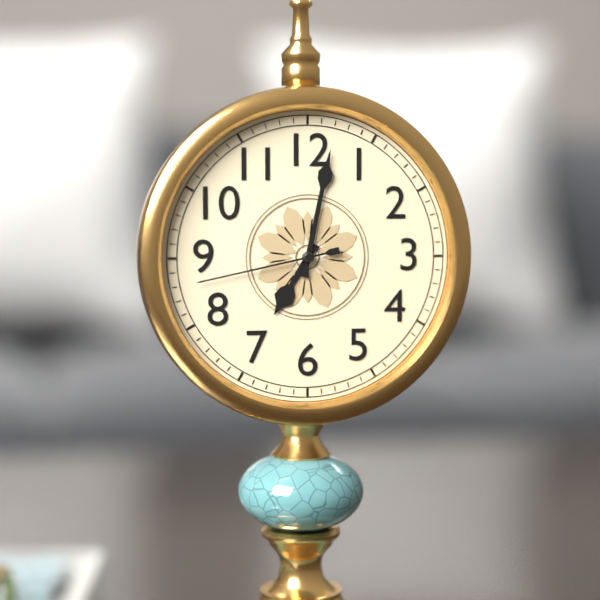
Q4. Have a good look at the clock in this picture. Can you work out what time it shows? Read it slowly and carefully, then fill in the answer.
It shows 7:02:43
